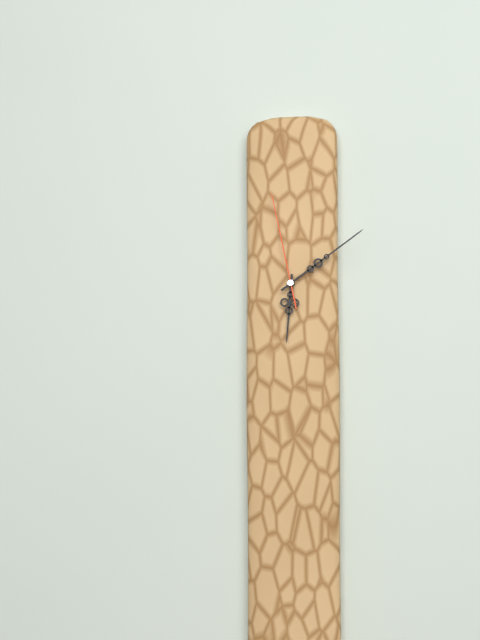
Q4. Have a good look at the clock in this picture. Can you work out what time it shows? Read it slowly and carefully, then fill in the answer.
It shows 6:09:58
